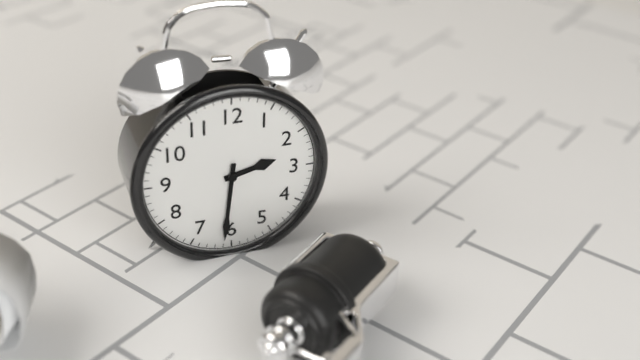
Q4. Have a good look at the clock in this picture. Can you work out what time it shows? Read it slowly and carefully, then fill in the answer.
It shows 2:31
